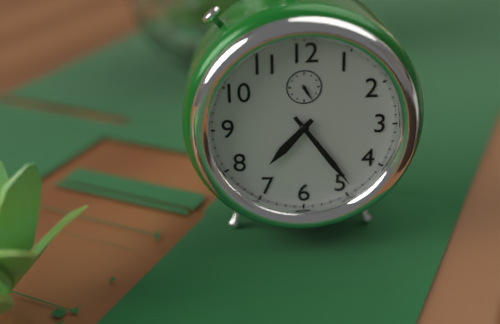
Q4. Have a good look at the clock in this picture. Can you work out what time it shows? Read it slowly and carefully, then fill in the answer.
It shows 7:24
